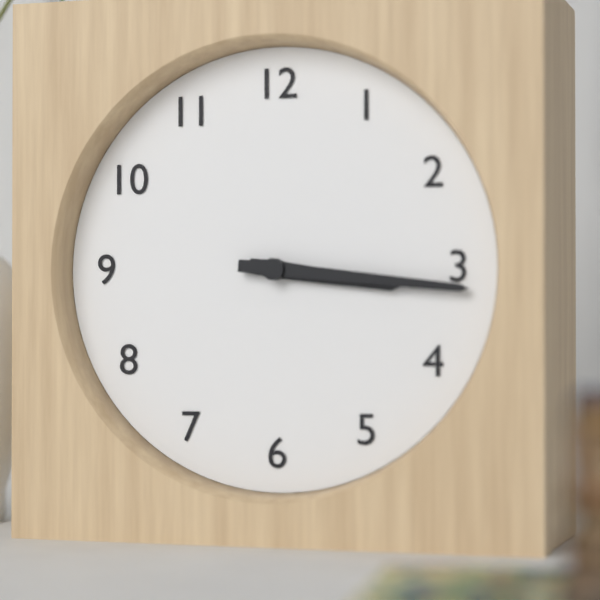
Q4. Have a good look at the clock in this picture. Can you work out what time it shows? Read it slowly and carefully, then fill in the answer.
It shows 3:16
